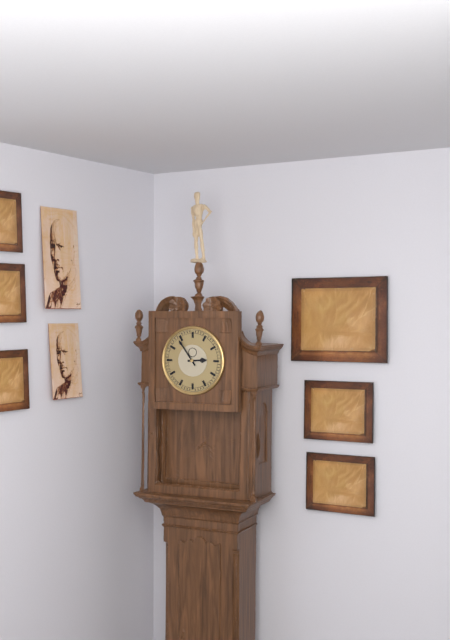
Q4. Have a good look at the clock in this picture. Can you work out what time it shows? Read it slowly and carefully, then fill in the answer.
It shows 2:54
